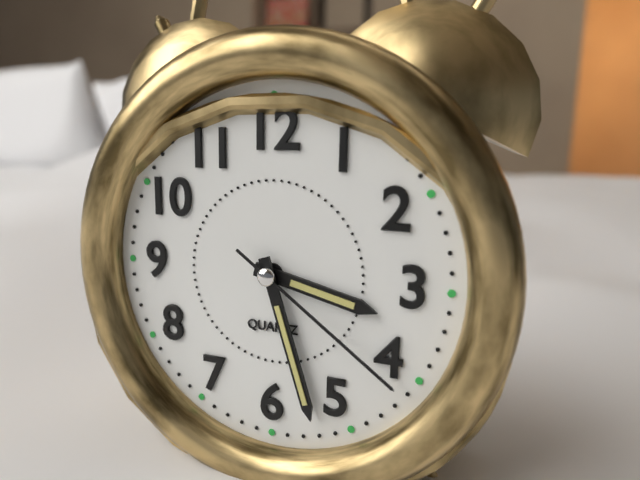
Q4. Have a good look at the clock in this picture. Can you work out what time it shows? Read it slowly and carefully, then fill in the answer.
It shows 3:27:21
